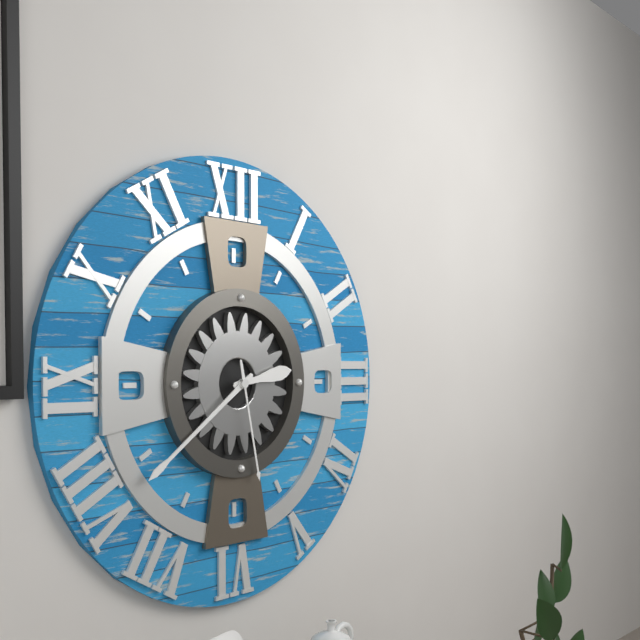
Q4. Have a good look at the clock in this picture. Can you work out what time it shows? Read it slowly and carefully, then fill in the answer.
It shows 2:39:28
